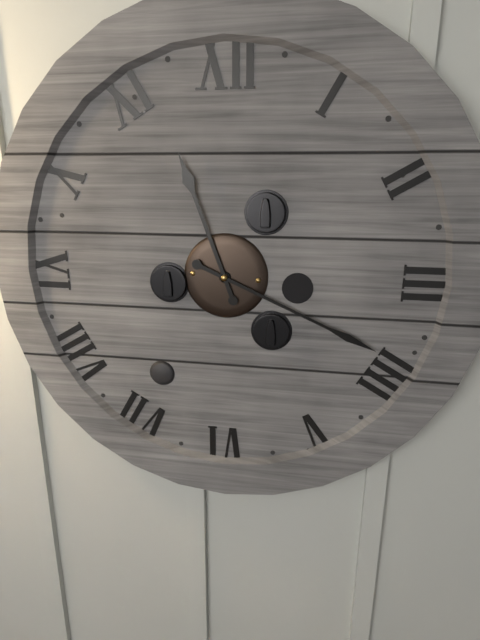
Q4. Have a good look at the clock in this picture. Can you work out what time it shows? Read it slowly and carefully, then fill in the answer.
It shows 11:19
